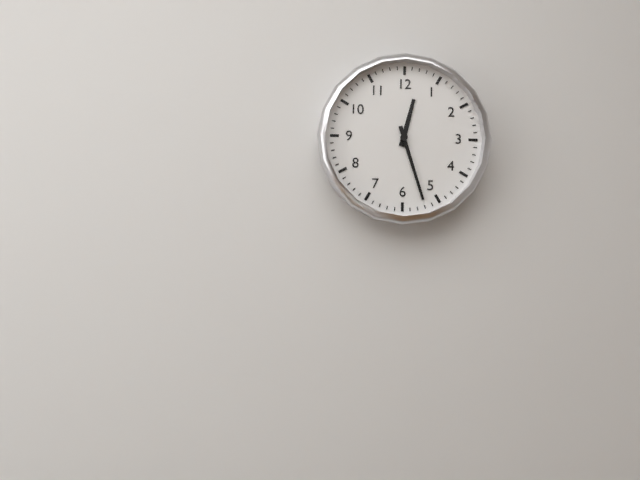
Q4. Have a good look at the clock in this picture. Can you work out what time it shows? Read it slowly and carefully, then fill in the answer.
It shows 12:27
